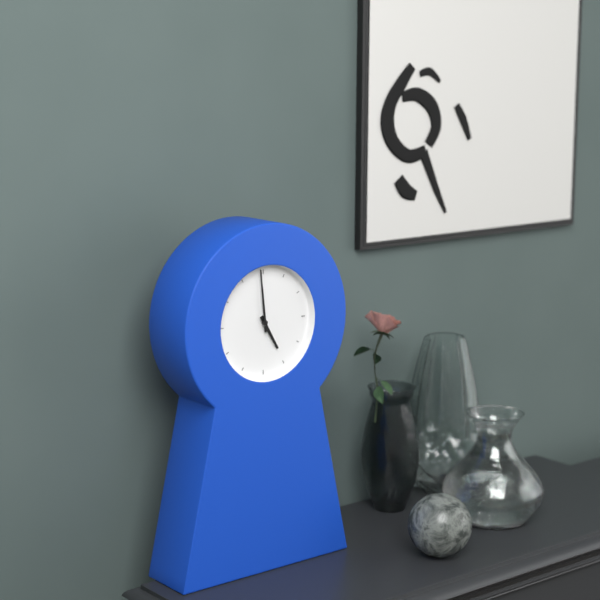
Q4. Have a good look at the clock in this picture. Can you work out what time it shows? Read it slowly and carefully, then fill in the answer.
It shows 4:59
